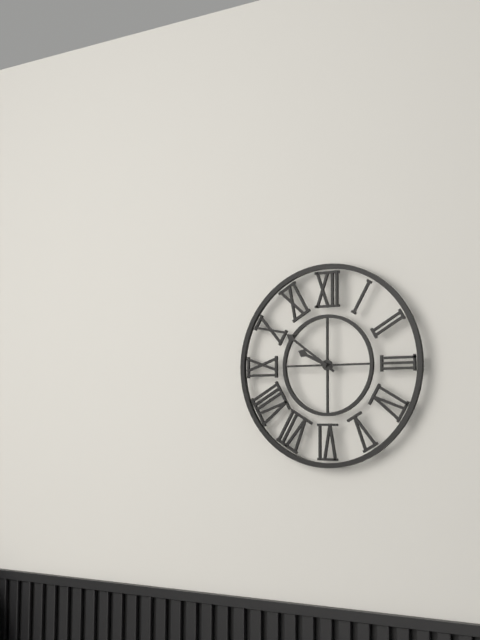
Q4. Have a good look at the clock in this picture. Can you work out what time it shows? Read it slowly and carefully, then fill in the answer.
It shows 9:51
